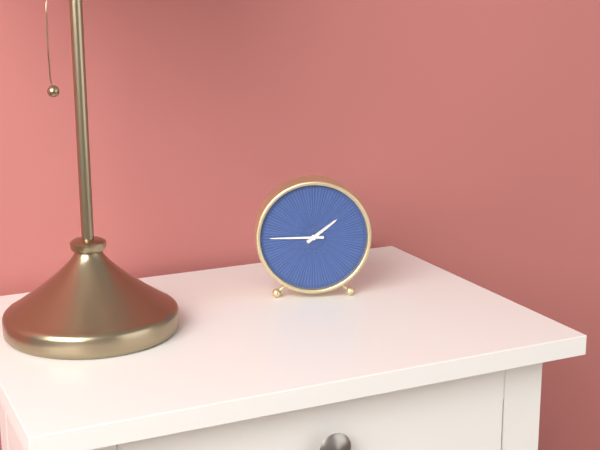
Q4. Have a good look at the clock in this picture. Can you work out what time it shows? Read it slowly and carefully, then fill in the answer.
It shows 1:45
